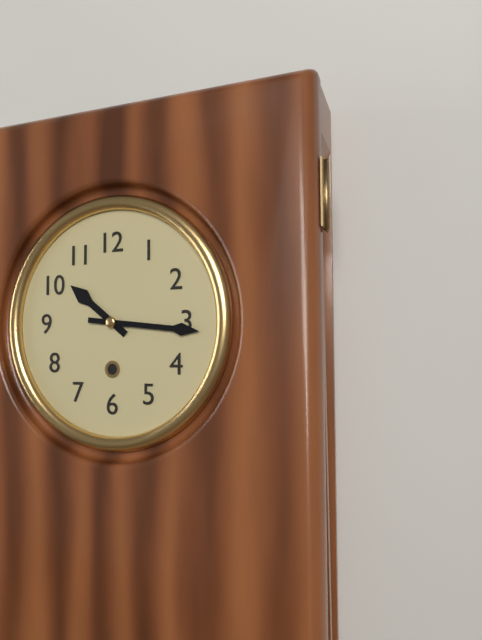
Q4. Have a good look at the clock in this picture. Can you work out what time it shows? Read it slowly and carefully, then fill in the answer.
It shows 10:16
